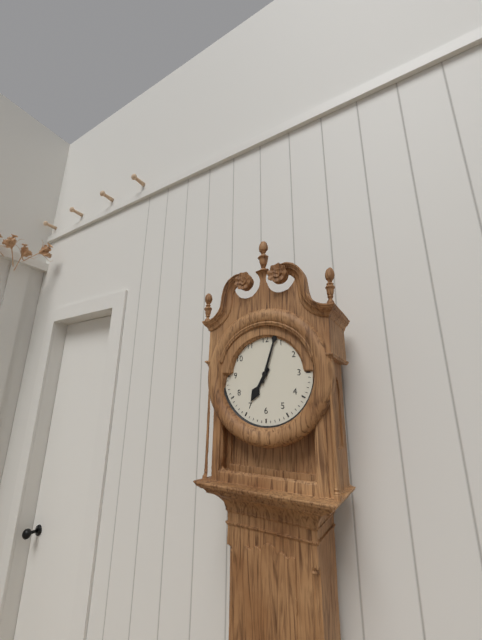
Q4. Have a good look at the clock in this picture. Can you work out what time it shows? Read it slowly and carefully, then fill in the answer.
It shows 7:03
